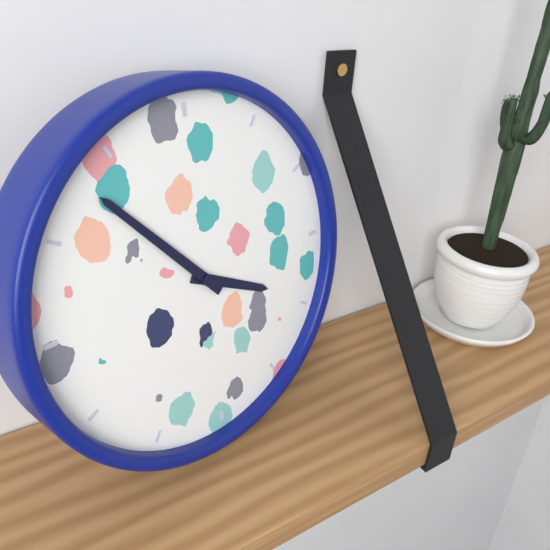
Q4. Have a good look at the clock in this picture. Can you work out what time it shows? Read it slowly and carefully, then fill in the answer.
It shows 3:53
